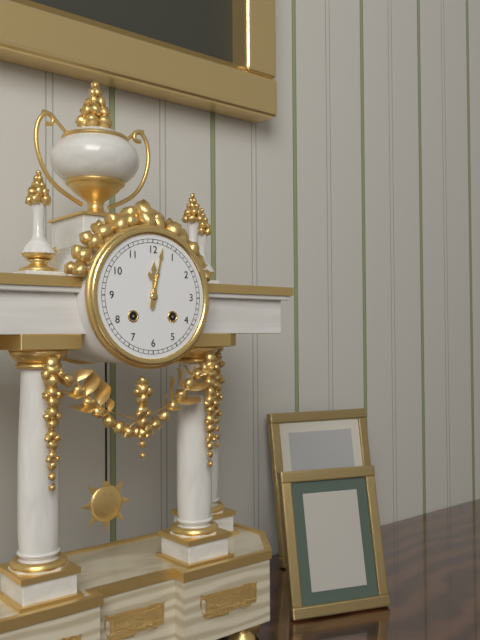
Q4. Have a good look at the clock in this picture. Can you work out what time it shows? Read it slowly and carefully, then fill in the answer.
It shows 12:02
